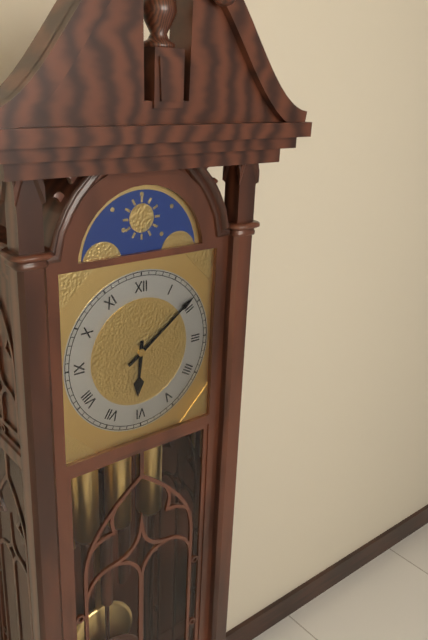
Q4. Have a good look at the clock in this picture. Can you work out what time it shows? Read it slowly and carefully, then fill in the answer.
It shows 6:09
